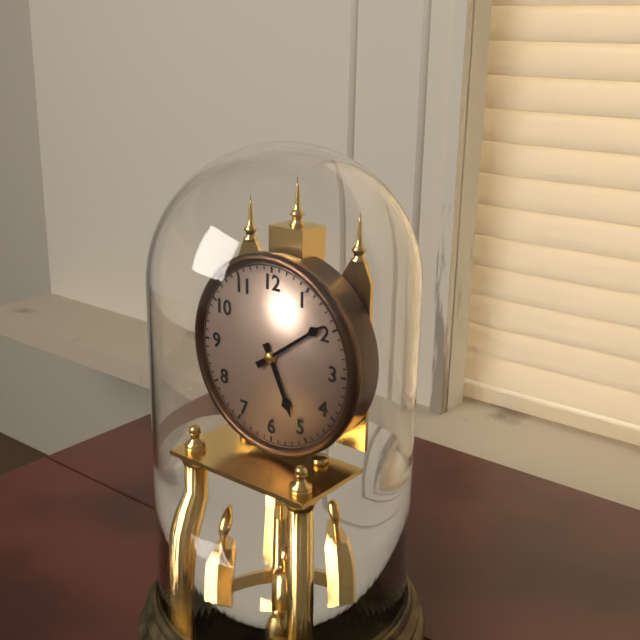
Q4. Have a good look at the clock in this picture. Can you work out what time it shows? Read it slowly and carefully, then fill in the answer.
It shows 5:09
